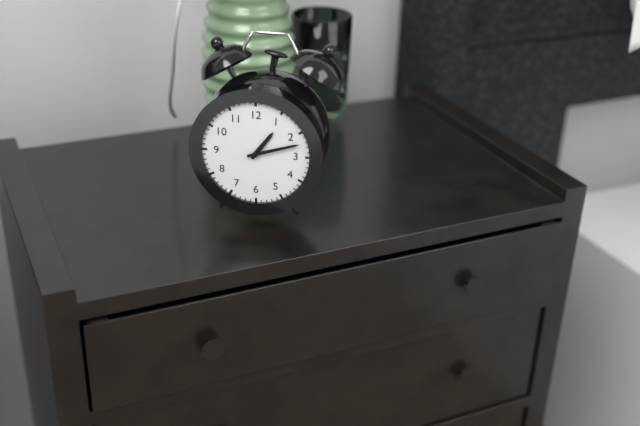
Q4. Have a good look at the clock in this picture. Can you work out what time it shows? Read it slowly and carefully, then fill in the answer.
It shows 1:12
